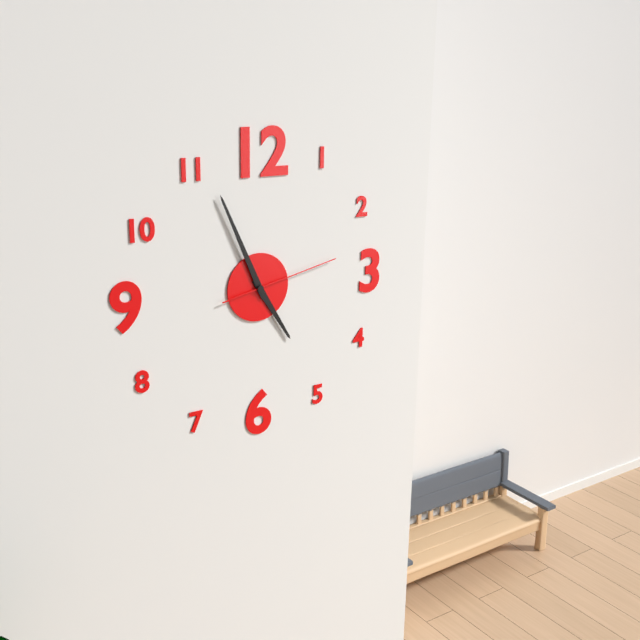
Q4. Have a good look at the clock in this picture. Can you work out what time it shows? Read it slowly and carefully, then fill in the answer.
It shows 4:56:13
